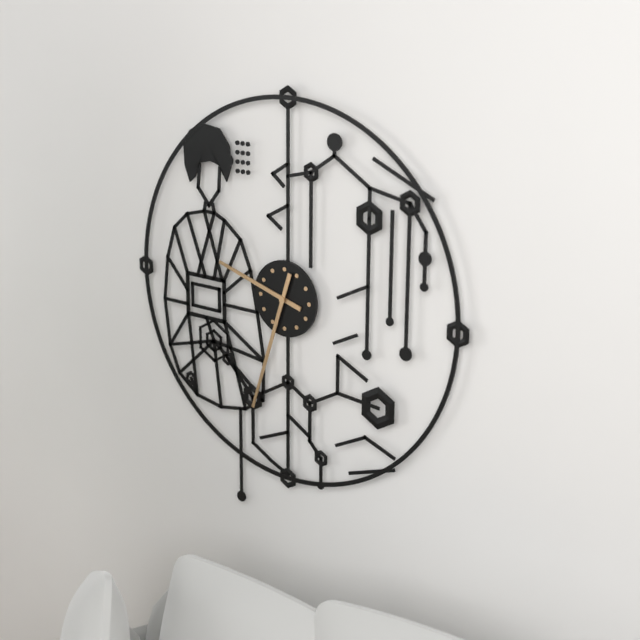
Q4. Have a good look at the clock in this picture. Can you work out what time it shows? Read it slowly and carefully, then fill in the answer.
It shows 9:33
